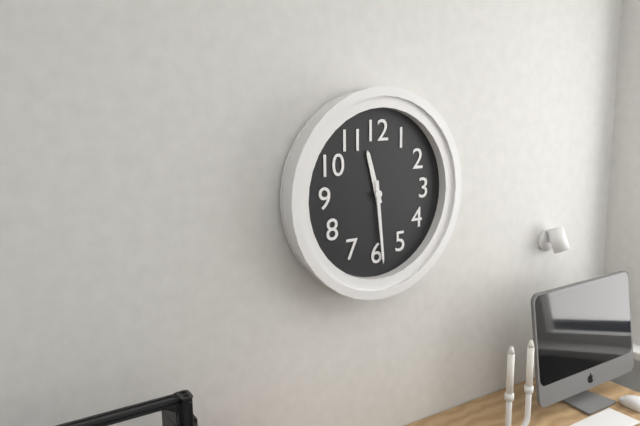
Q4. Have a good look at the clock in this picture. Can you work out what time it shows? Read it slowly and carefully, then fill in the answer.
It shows 11:29
